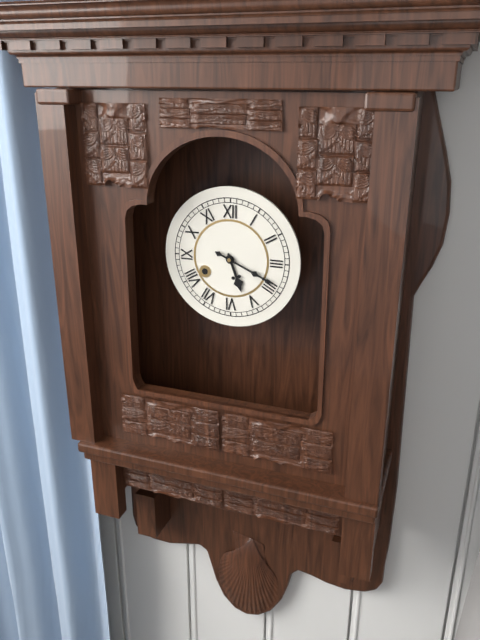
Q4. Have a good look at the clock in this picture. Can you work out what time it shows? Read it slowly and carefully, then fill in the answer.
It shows 5:19
